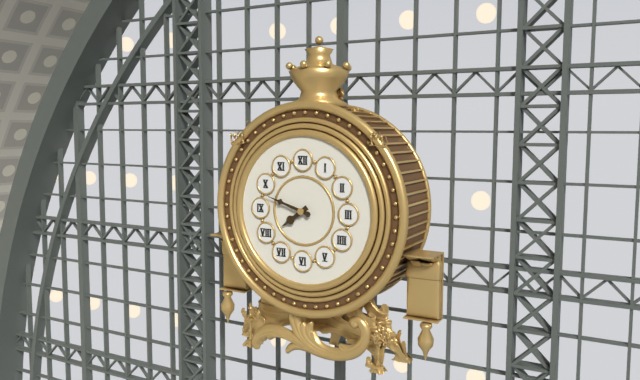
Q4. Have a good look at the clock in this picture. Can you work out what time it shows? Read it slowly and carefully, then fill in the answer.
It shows 7:48
